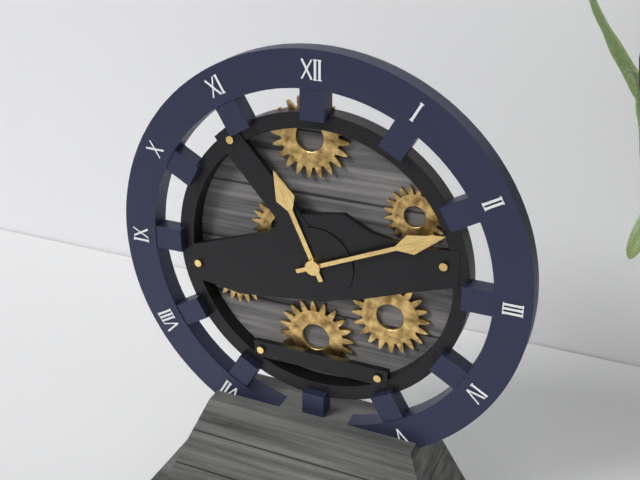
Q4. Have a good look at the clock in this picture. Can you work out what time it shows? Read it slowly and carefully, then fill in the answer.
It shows 11:11
